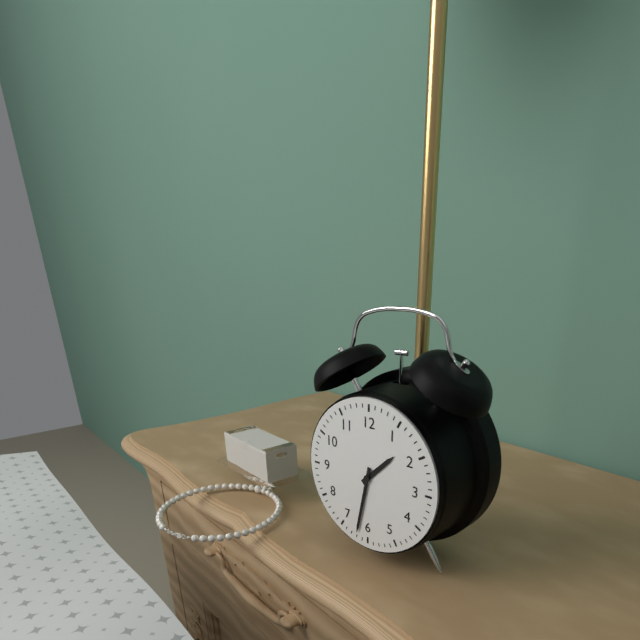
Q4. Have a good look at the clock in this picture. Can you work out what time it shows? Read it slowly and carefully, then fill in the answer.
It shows 1:32
